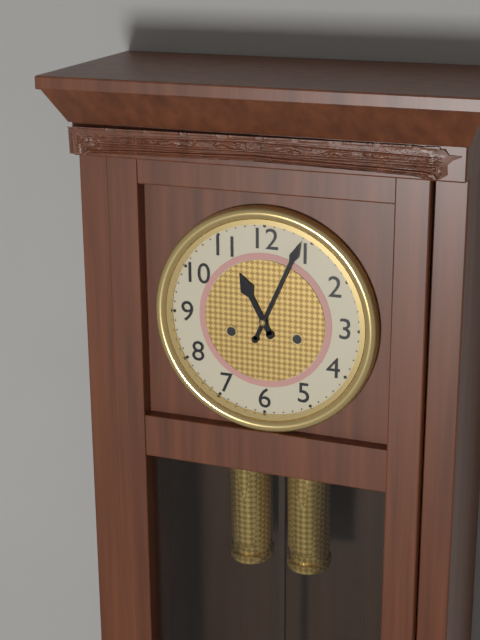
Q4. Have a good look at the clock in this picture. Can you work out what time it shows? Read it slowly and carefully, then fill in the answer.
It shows 11:04
